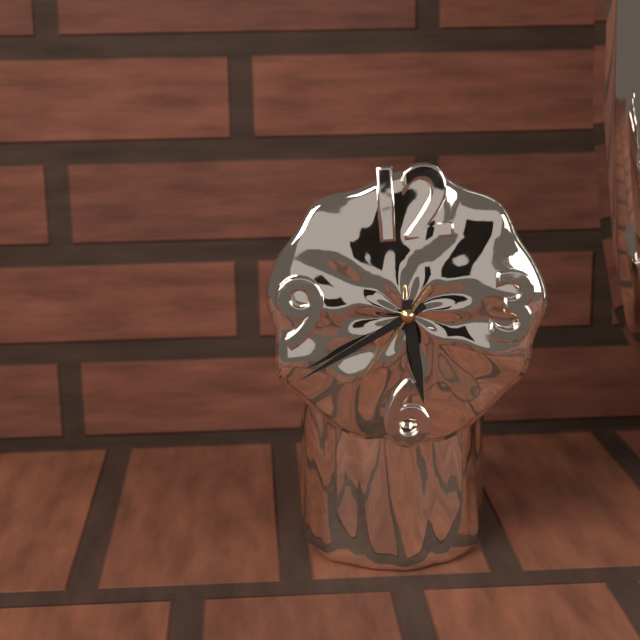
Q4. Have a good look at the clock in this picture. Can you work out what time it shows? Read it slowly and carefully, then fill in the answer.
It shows 5:40:36
